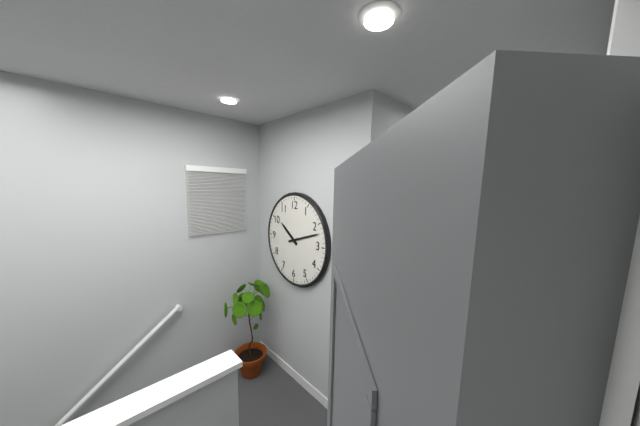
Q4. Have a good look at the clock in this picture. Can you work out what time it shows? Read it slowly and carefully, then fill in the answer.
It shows 10:12
